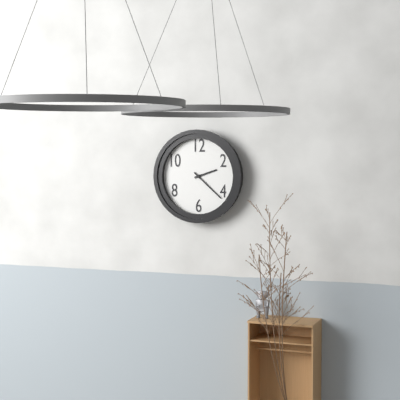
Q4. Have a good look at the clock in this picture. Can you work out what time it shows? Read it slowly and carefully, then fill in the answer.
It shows 2:22
